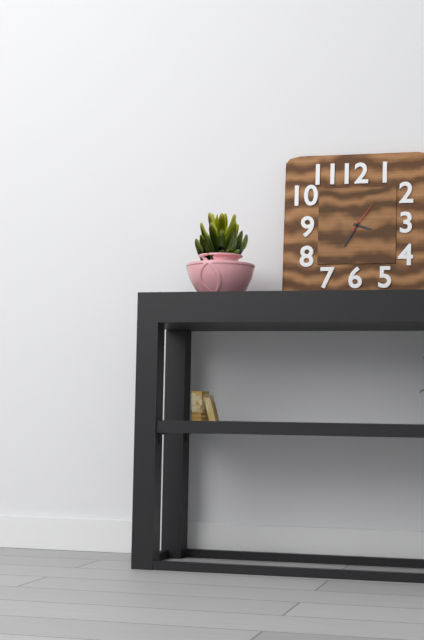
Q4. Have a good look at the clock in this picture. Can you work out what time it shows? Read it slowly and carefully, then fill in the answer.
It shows 3:35
